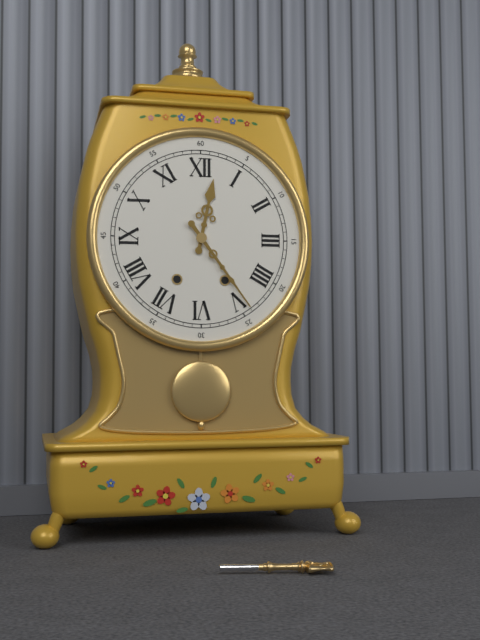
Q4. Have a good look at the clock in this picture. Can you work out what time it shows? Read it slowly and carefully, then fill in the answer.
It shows 12:24
